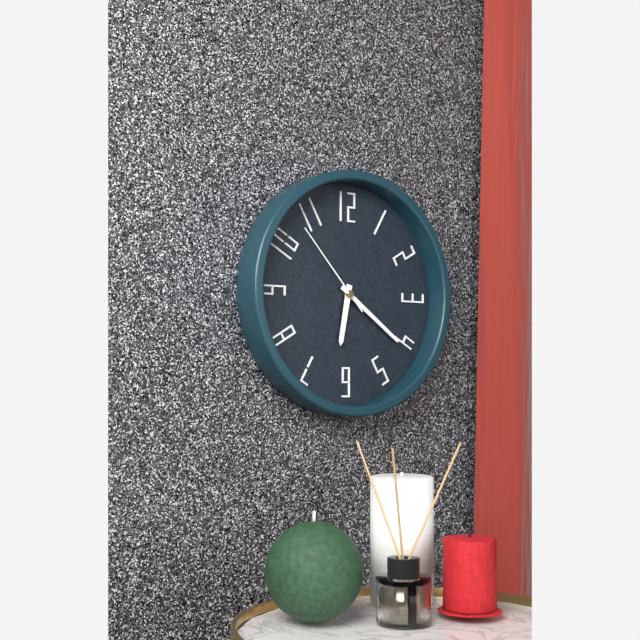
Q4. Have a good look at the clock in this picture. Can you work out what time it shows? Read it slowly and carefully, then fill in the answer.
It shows 6:21:53
